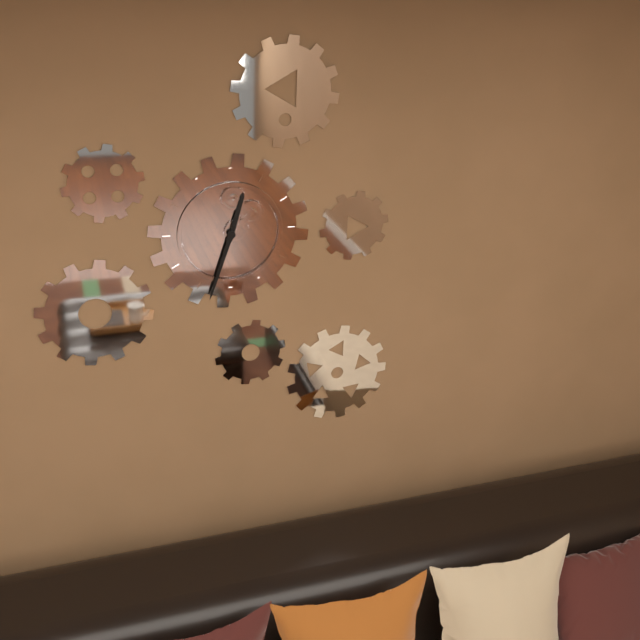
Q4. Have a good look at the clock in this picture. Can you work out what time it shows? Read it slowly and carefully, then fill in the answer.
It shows 12:33
